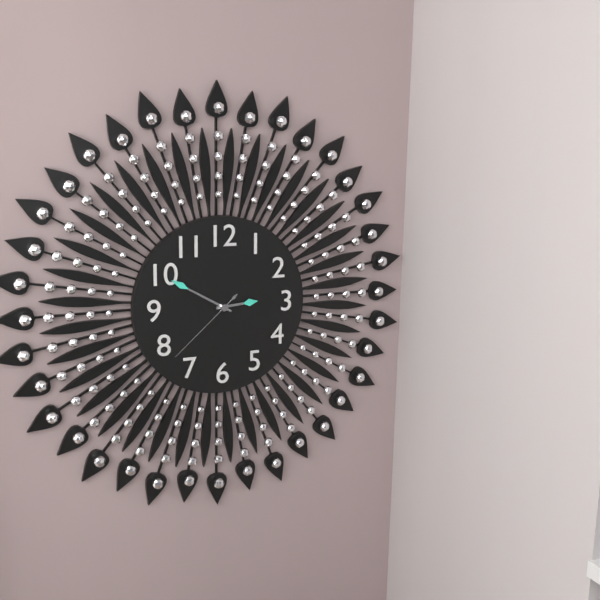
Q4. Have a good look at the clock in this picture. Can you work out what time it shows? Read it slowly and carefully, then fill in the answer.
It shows 2:50:38
